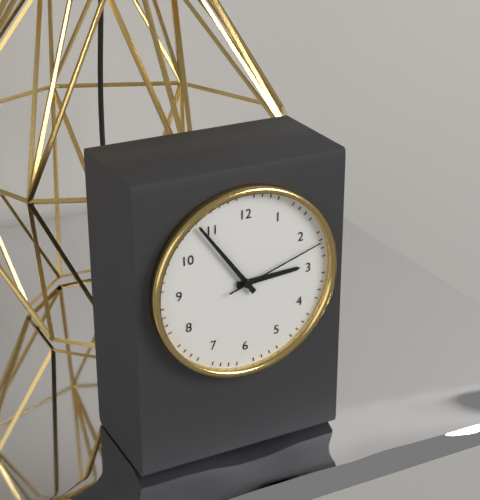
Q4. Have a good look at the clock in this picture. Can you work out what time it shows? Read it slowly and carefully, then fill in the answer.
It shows 2:54:12
